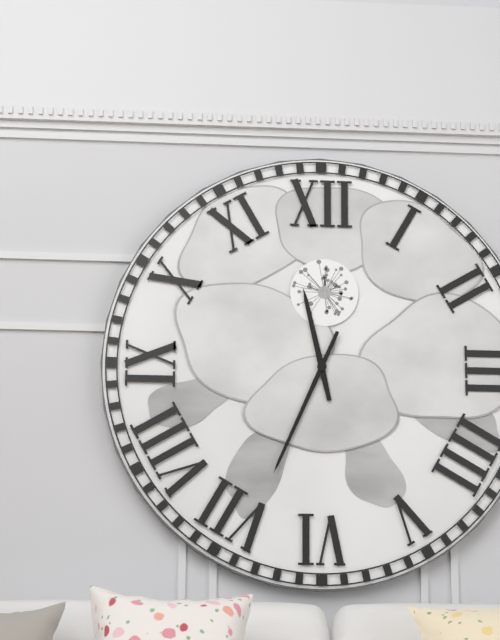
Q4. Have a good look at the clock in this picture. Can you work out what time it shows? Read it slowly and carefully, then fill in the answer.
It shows 11:34
